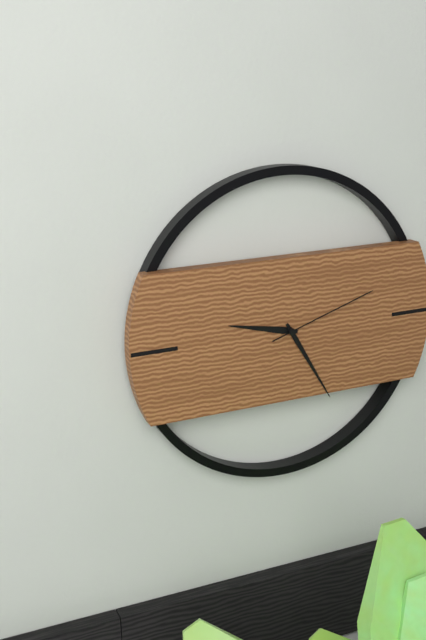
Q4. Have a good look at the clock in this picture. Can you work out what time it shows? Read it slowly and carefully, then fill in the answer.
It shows 9:25:12
